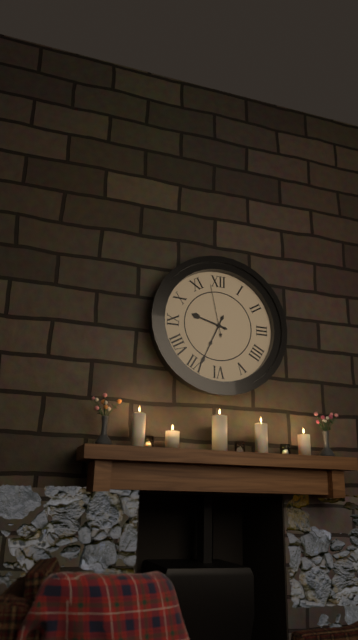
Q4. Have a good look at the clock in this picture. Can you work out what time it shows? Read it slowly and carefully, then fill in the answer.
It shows 9:34:58
